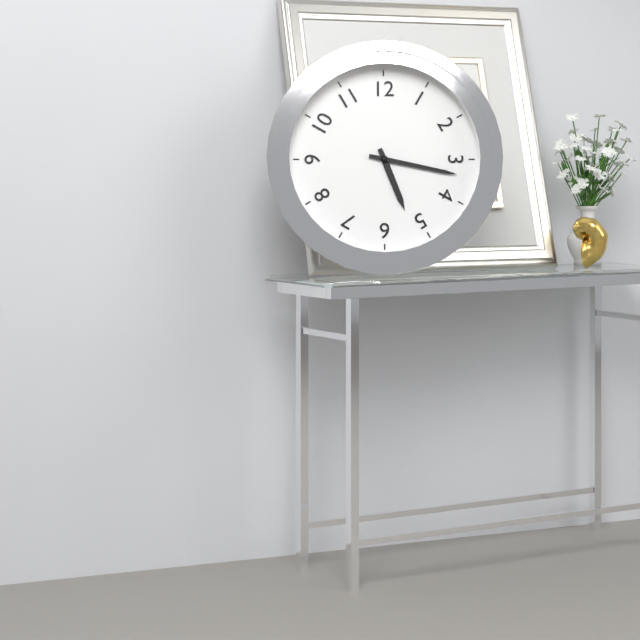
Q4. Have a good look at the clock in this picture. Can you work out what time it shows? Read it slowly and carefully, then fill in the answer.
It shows 5:17
